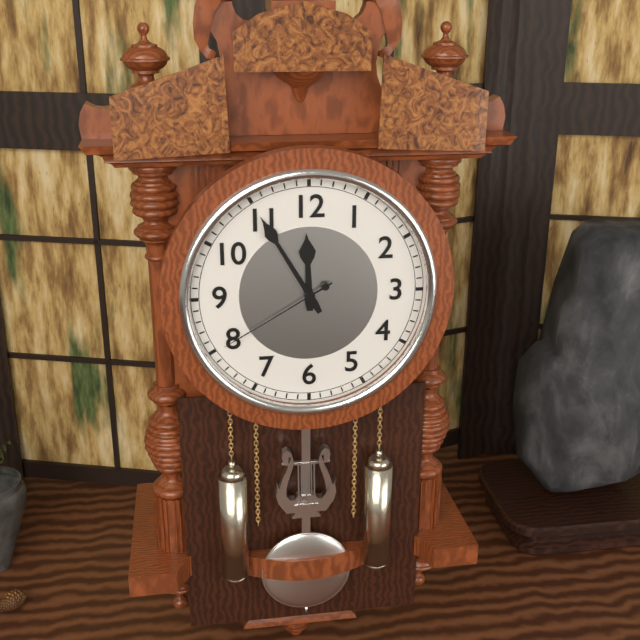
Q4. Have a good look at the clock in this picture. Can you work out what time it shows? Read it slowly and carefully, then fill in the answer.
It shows 11:55:40
